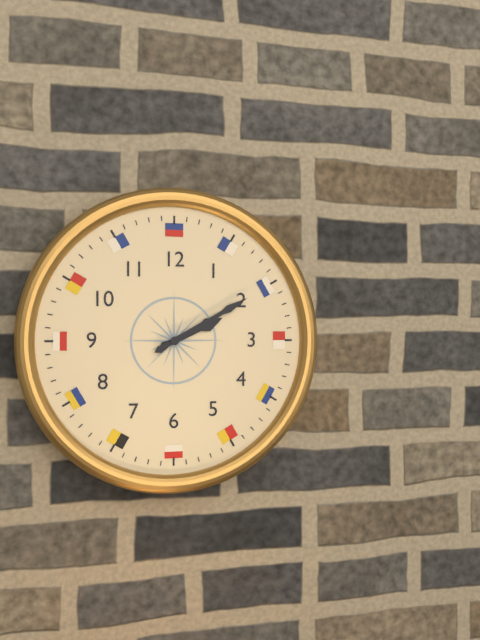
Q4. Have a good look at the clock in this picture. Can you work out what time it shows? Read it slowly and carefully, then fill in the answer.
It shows 2:10
